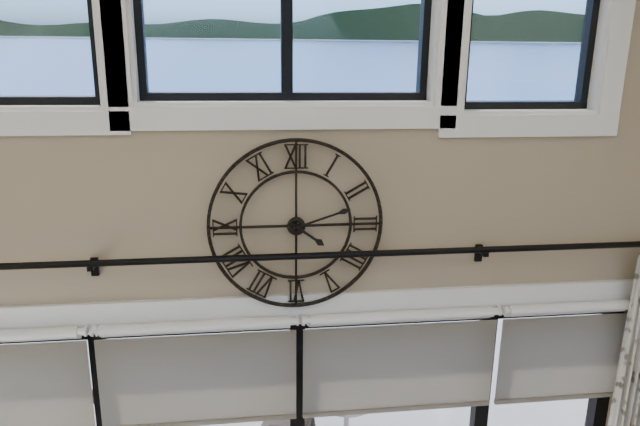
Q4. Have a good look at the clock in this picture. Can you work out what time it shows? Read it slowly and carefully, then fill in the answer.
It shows 4:12
